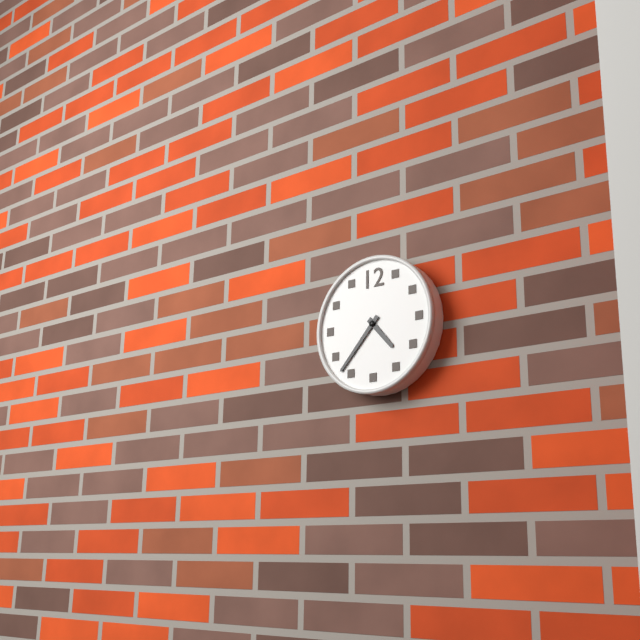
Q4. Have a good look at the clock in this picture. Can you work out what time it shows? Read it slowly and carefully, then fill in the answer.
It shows 4:37
